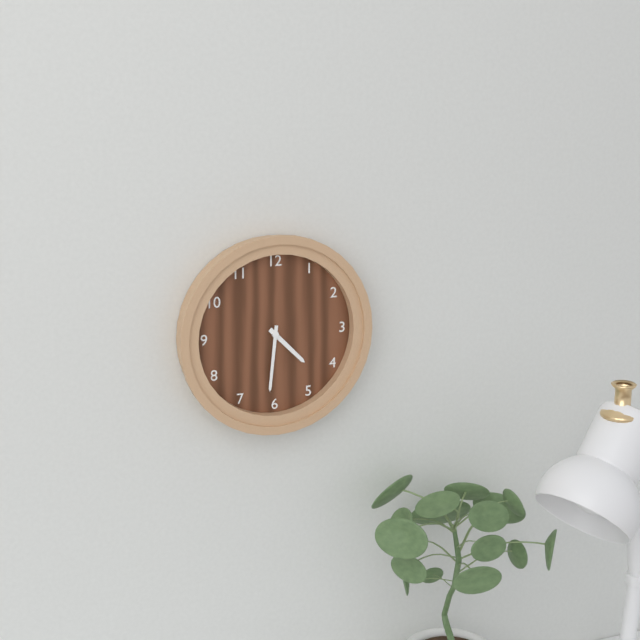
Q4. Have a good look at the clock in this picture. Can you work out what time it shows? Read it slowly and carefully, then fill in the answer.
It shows 4:31
